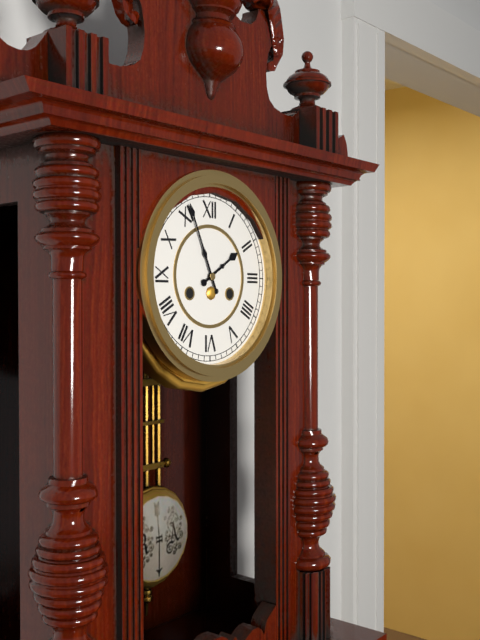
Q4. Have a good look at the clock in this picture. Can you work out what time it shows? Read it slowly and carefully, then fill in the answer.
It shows 1:56
